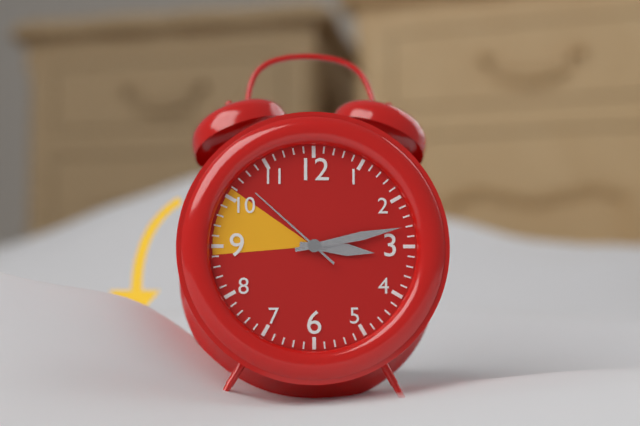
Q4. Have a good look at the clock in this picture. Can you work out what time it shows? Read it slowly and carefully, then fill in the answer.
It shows 3:13:52
